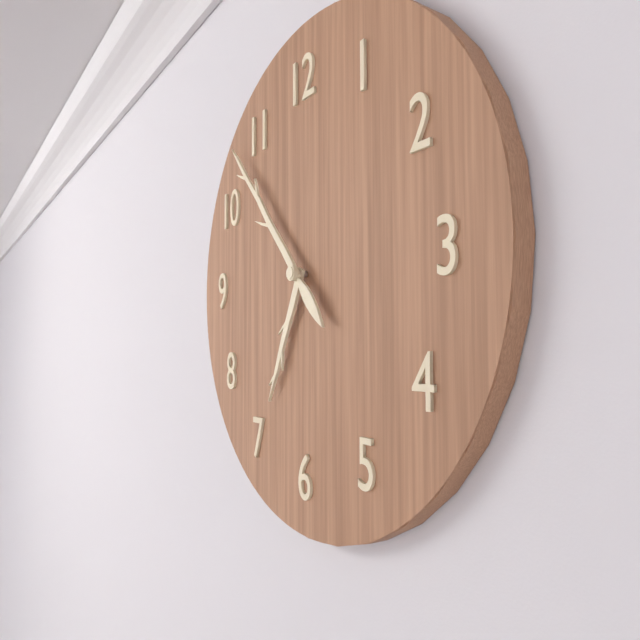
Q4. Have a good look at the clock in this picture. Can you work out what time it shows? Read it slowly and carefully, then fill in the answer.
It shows 6:53
